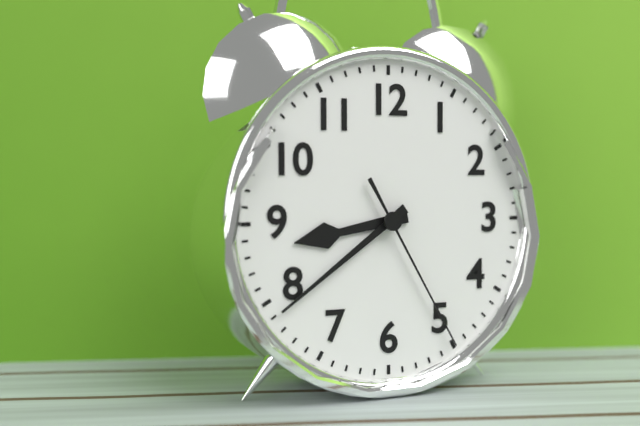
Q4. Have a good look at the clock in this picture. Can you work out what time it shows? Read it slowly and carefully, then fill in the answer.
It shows 8:39:25
